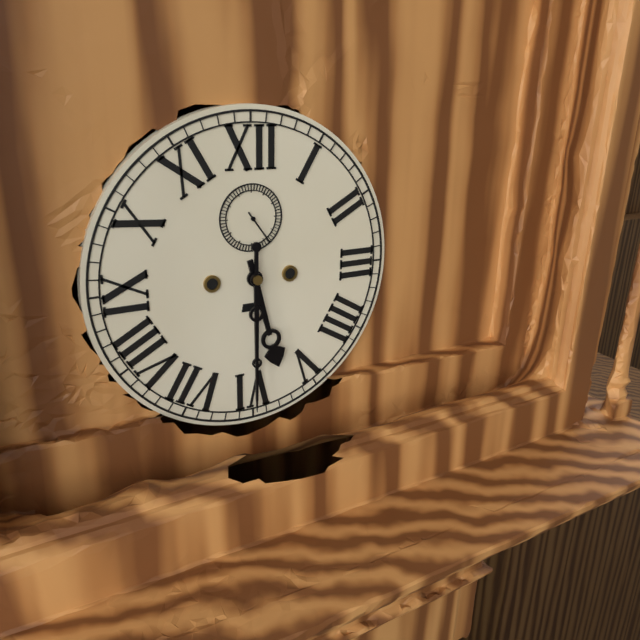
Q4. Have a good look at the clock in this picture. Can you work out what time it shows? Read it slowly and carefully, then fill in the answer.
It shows 5:30
